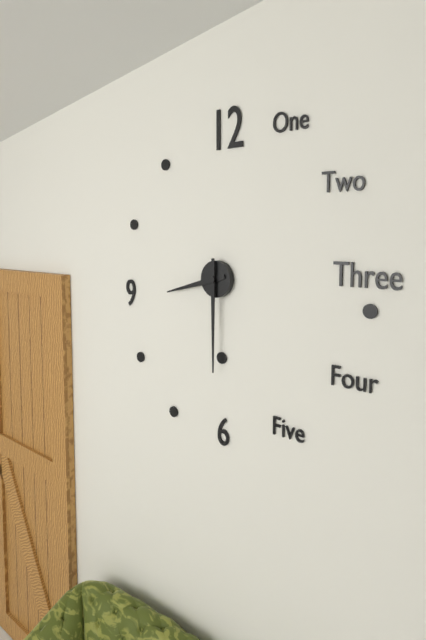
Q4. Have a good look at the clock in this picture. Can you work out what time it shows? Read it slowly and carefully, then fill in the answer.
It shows 8:30
